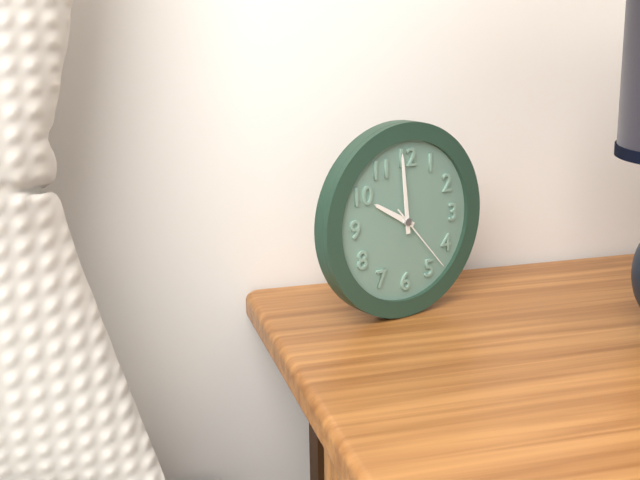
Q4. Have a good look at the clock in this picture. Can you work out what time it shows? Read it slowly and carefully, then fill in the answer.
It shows 9:59:23
